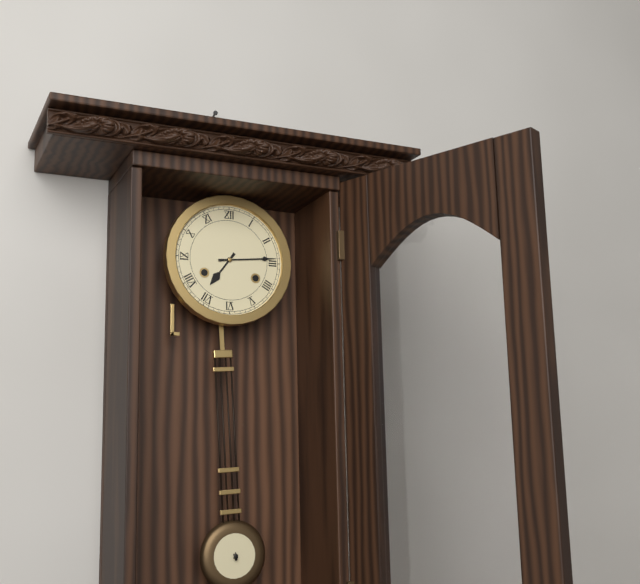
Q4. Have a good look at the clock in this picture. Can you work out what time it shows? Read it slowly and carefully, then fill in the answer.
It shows 7:14
